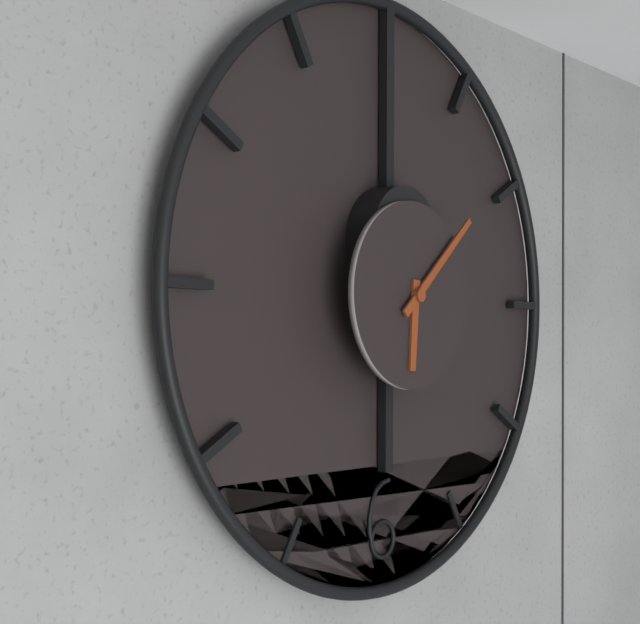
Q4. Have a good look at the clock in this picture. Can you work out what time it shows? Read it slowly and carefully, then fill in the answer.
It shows 6:08
